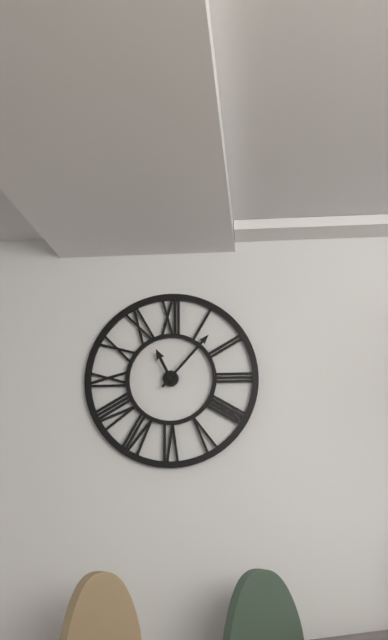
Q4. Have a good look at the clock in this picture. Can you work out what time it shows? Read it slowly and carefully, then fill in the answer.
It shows 11:07
